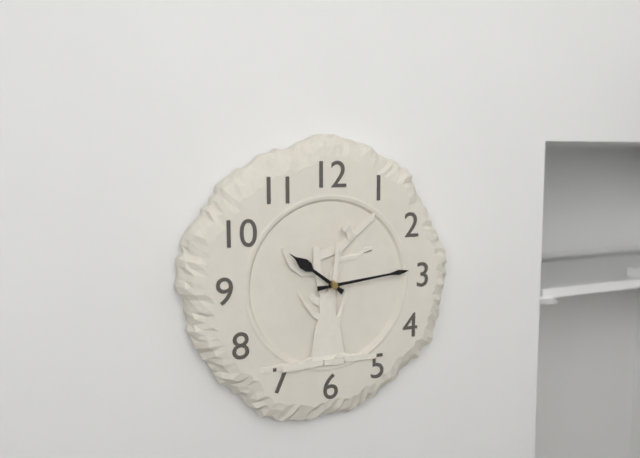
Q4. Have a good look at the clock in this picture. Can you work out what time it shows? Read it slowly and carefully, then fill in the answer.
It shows 10:14
